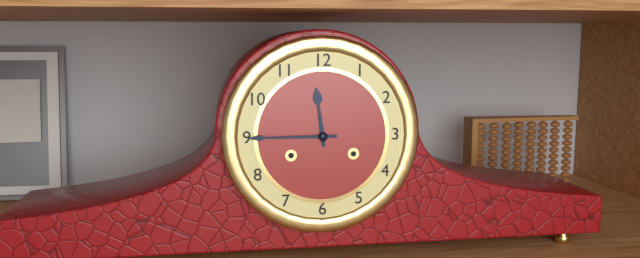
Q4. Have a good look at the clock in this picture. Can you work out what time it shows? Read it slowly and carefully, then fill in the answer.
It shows 11:45
